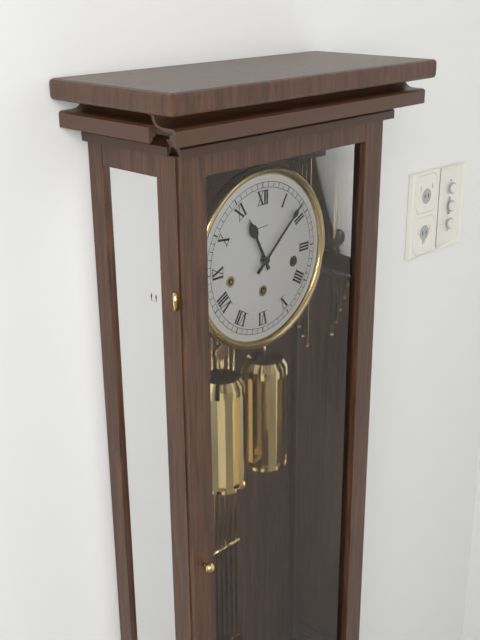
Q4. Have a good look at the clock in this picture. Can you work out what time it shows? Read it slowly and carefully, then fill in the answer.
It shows 11:08
